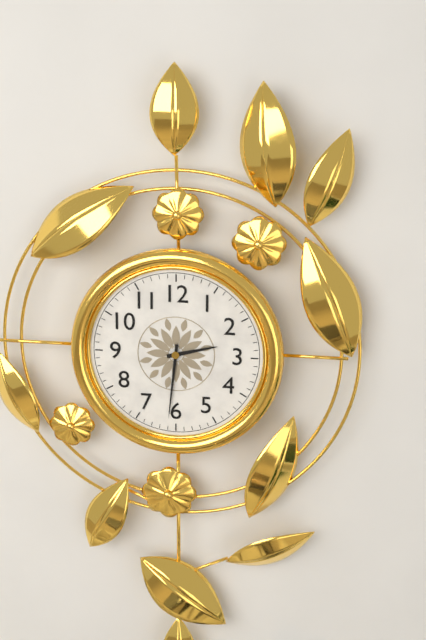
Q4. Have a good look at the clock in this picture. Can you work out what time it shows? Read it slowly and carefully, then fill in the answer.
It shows 2:31
